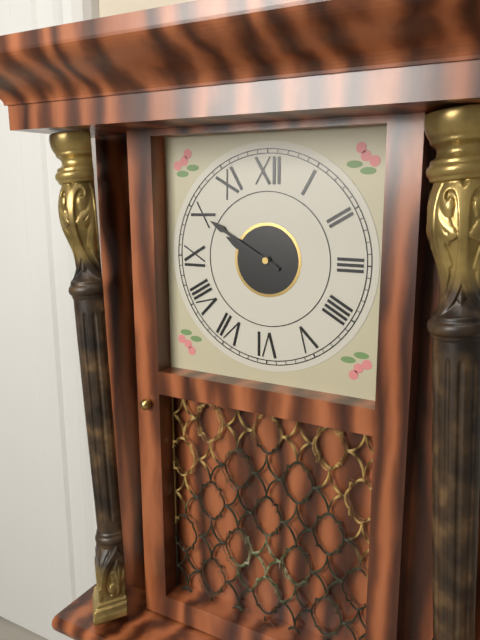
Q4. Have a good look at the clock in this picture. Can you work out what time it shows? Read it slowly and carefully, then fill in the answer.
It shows 9:50
